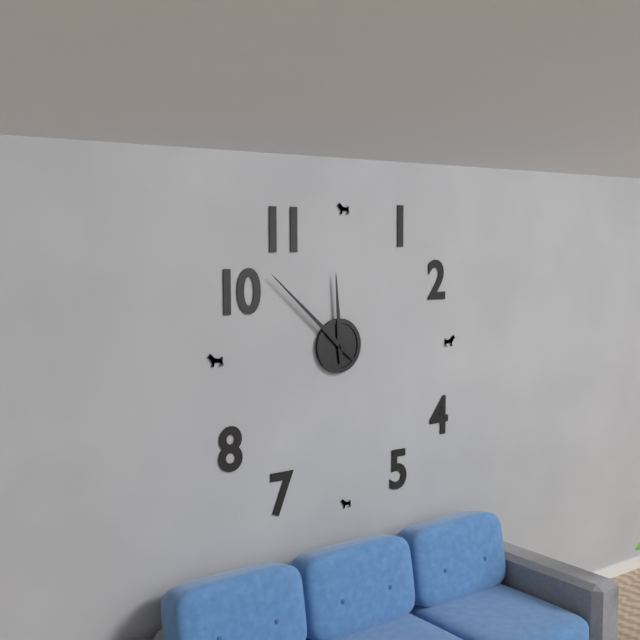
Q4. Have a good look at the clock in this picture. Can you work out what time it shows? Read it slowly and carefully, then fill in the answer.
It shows 11:52
